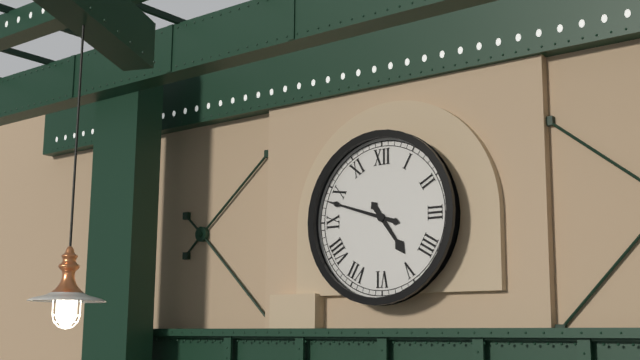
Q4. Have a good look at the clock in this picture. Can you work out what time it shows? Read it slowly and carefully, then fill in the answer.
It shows 4:48
